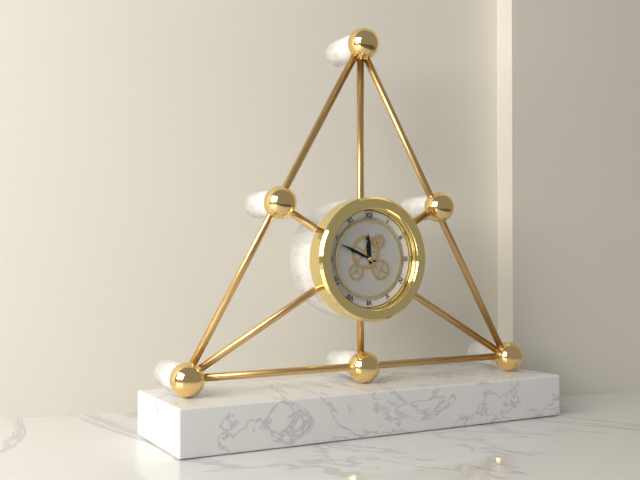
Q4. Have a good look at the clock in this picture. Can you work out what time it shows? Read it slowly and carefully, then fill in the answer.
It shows 11:49
